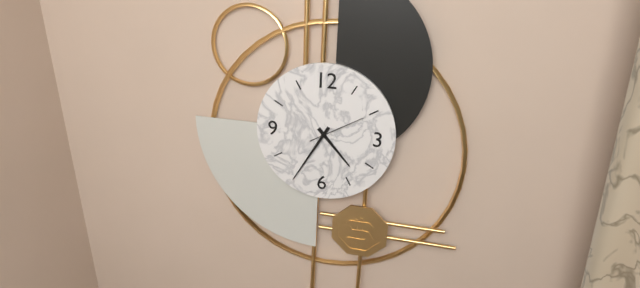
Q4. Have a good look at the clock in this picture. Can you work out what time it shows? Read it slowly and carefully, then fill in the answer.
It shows 4:35:10
